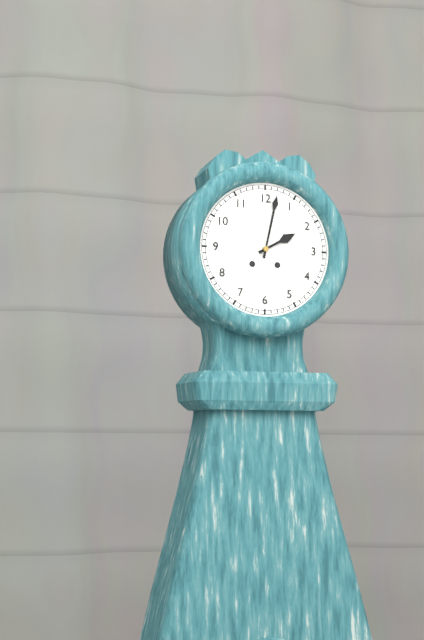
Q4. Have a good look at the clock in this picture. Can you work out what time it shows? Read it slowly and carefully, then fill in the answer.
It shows 2:02
